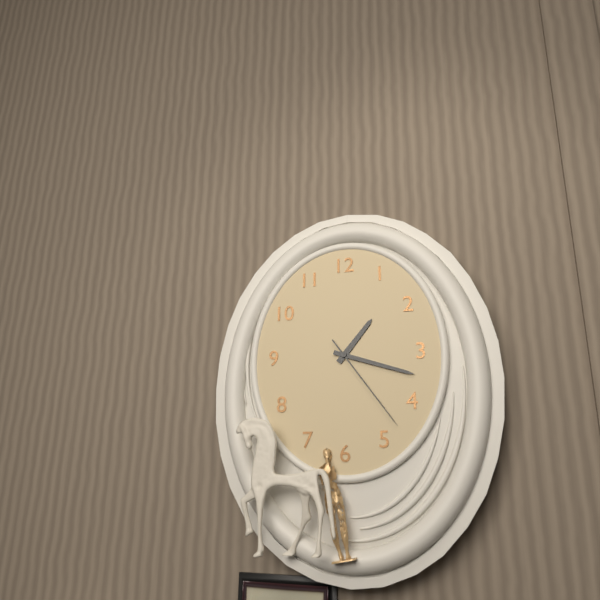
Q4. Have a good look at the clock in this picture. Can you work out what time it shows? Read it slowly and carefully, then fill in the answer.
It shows 1:18:24
